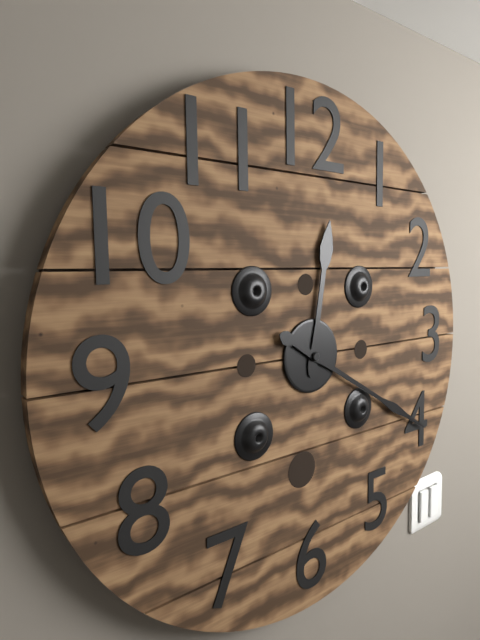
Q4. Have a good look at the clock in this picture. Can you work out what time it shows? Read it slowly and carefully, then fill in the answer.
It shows 12:20
